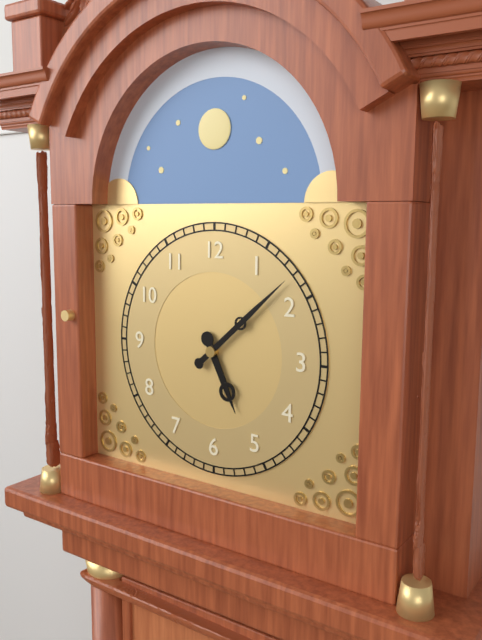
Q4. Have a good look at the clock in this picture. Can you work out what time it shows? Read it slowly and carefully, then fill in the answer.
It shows 5:08
